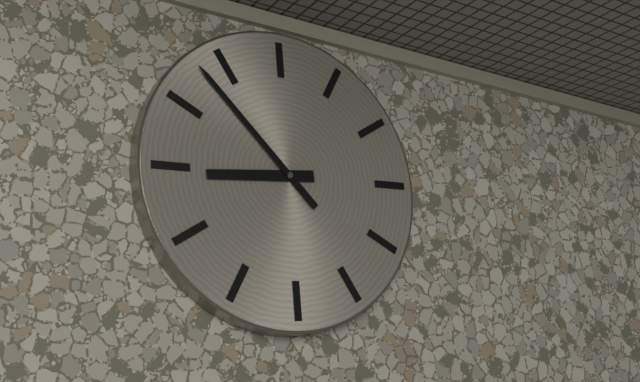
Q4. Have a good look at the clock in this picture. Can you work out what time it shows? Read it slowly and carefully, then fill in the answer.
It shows 8:53
